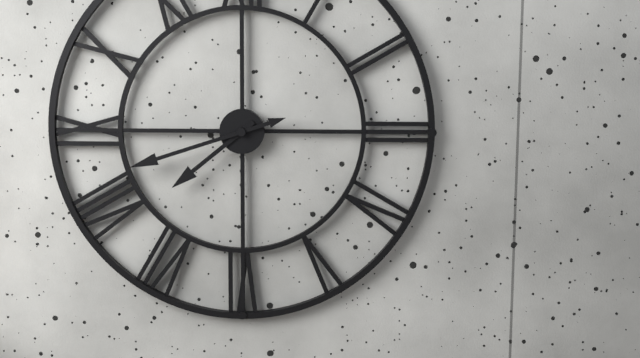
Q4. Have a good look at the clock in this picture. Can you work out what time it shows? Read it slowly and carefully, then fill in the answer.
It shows 7:42
